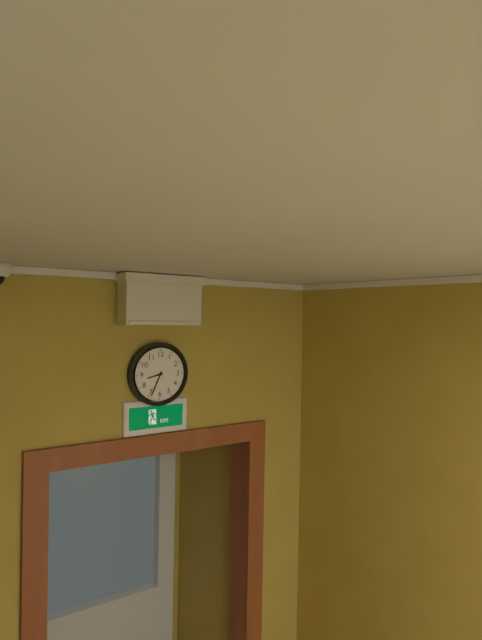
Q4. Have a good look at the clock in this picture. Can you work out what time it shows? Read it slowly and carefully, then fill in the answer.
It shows 8:34
